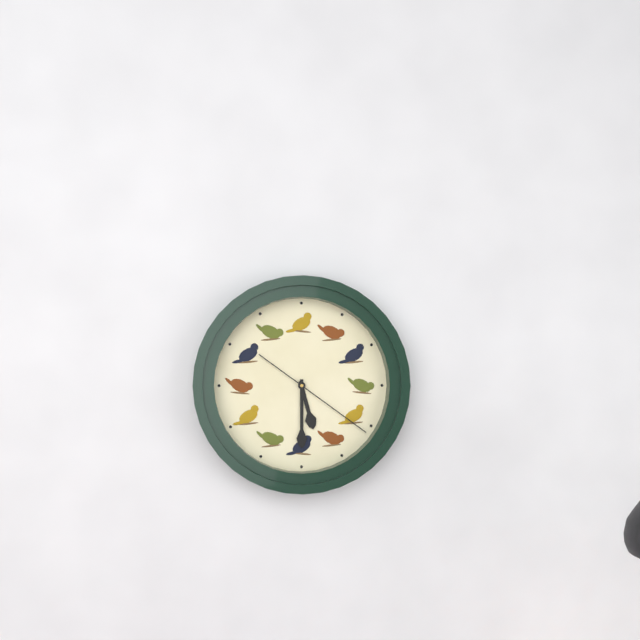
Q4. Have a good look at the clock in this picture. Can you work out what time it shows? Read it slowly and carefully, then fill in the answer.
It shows 5:30:21
